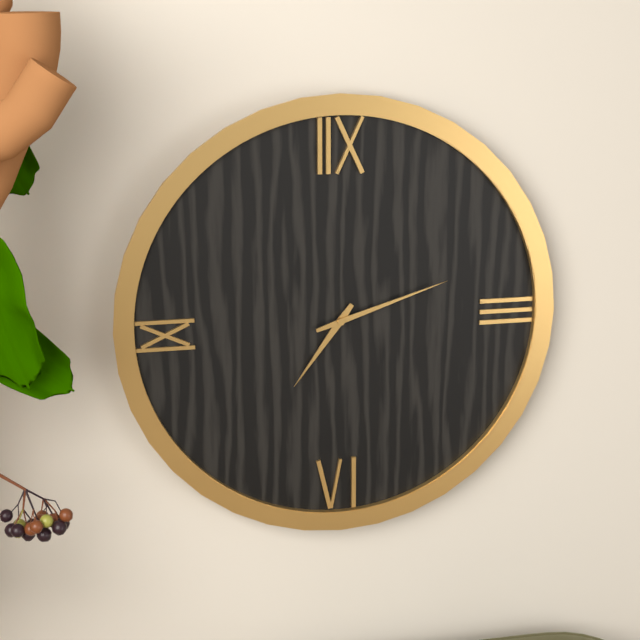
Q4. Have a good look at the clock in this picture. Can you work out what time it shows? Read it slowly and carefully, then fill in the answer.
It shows 7:12
